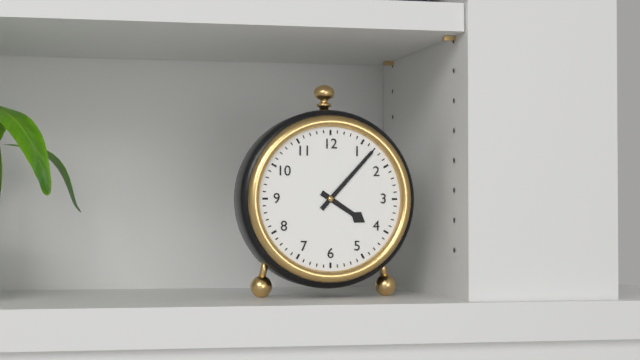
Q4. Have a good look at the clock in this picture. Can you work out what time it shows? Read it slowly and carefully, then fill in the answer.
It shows 4:07
